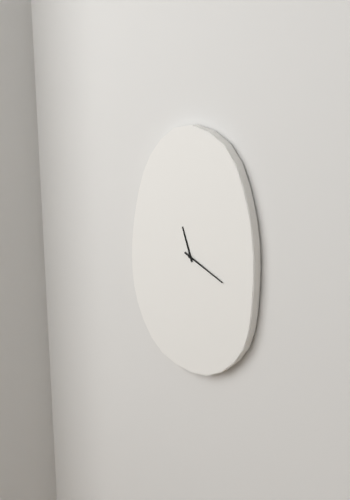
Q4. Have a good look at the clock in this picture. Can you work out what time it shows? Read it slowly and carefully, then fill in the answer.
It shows 11:19
